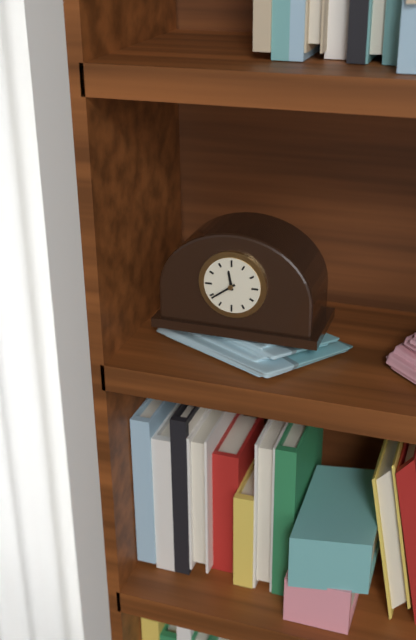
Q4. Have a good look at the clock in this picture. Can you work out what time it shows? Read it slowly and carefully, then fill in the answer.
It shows 11:39
